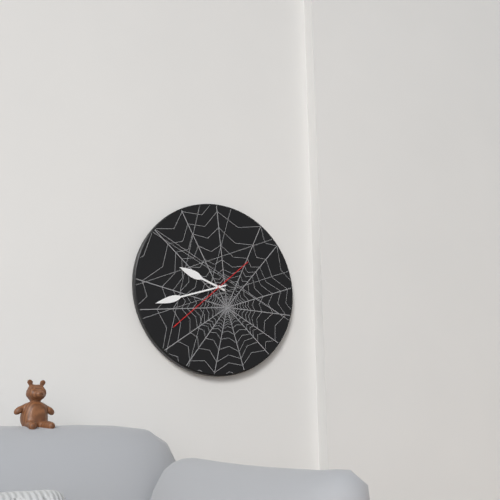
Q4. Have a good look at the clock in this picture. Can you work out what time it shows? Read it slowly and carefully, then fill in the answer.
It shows 9:42:38
